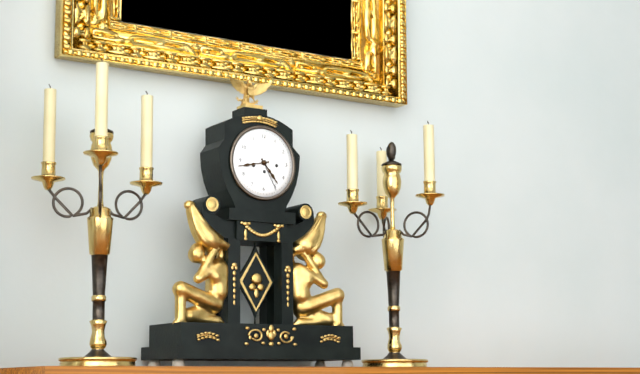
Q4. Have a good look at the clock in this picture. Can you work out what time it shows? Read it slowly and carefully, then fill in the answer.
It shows 4:43
